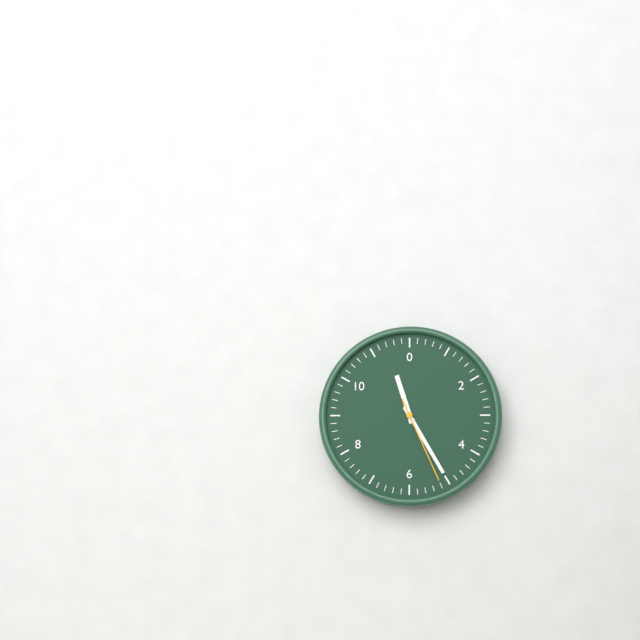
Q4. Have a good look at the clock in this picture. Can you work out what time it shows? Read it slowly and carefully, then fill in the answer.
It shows 11:25:26
